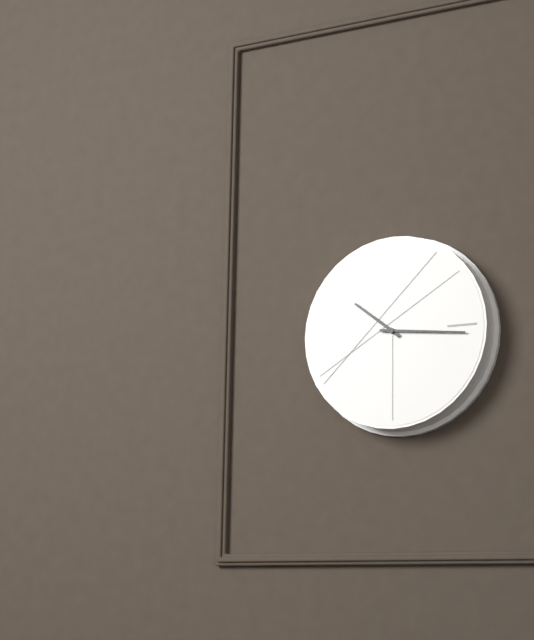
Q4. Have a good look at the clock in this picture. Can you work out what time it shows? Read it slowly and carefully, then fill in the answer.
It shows 10:16
